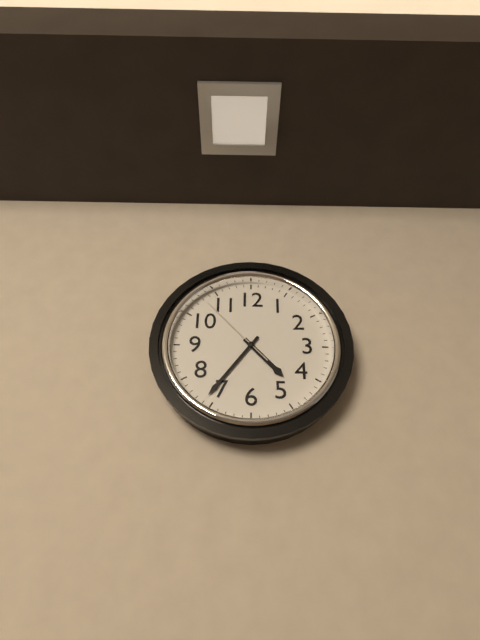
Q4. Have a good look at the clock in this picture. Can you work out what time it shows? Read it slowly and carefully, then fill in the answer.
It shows 4:36:53
